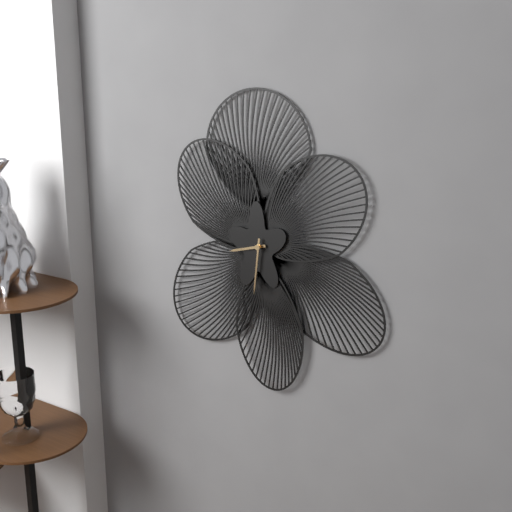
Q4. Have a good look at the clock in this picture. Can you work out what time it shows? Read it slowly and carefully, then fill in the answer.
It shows 8:31
